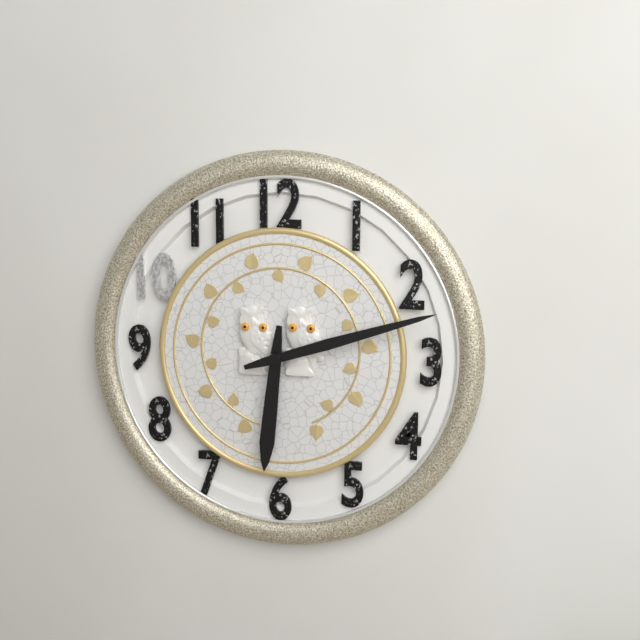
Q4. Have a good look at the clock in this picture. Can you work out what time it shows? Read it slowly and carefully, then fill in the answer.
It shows 6:12
